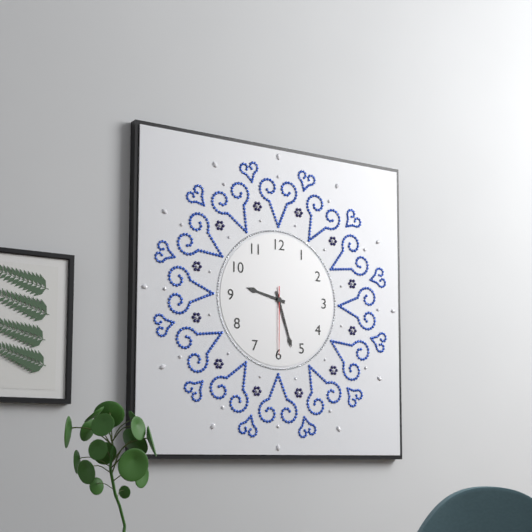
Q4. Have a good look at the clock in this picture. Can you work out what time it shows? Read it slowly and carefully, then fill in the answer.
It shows 9:27:30
